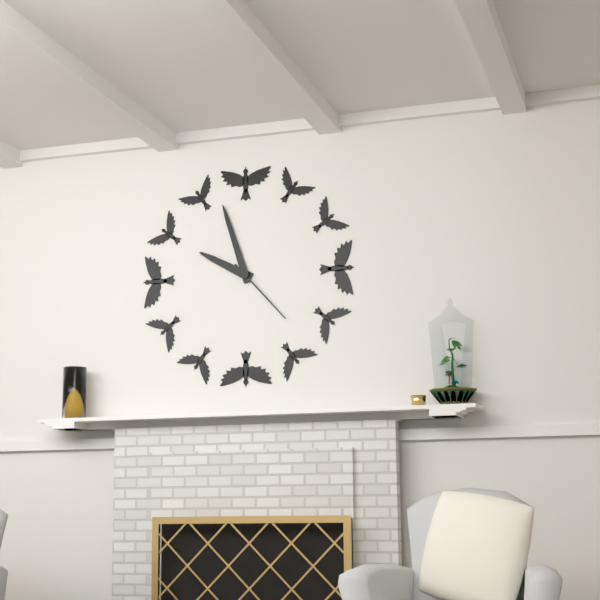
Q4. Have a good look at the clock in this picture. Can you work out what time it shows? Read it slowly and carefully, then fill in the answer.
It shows 9:57:23
